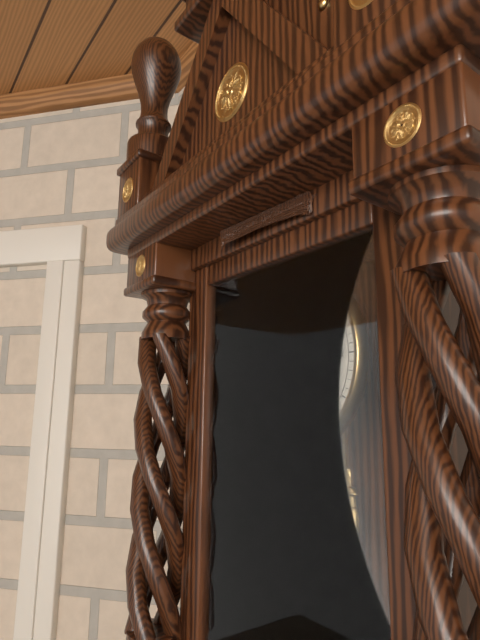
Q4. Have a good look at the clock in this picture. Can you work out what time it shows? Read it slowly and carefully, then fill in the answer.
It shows 12:22
